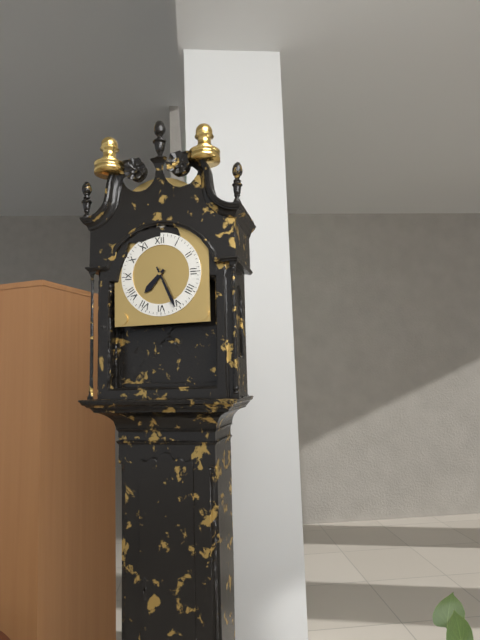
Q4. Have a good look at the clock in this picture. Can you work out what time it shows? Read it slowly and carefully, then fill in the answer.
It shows 7:26
